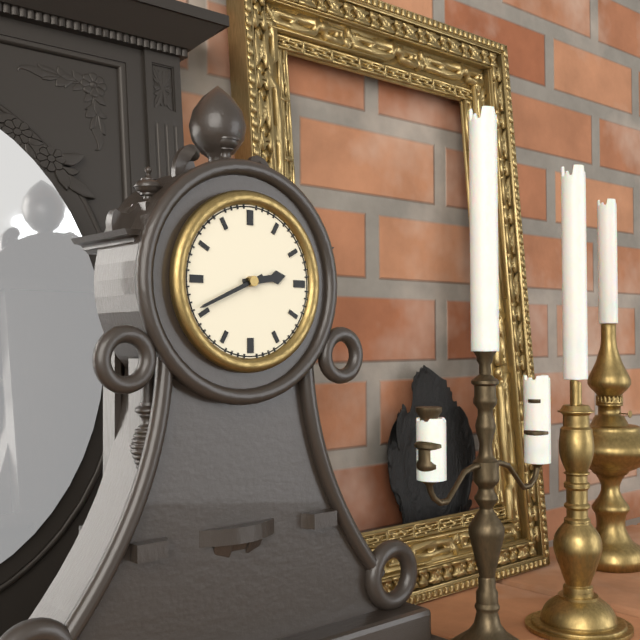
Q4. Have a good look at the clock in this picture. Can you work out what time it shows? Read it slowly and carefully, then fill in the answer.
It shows 2:41
